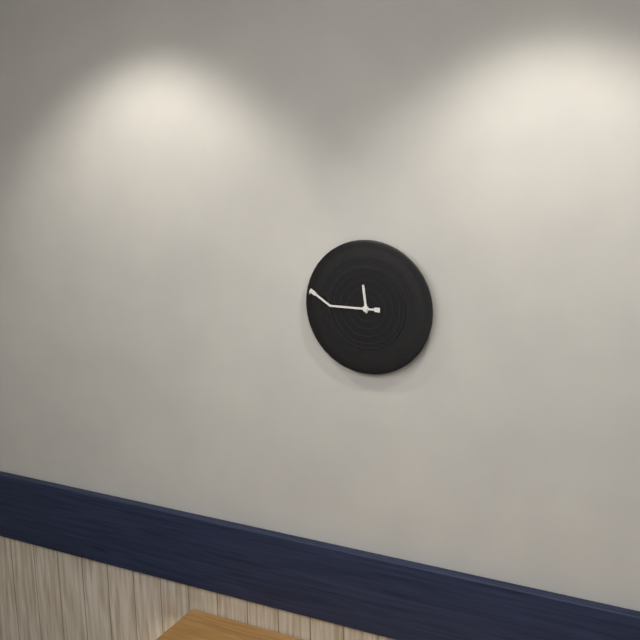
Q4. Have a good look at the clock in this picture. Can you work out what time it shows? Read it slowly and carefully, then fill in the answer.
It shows 11:45
